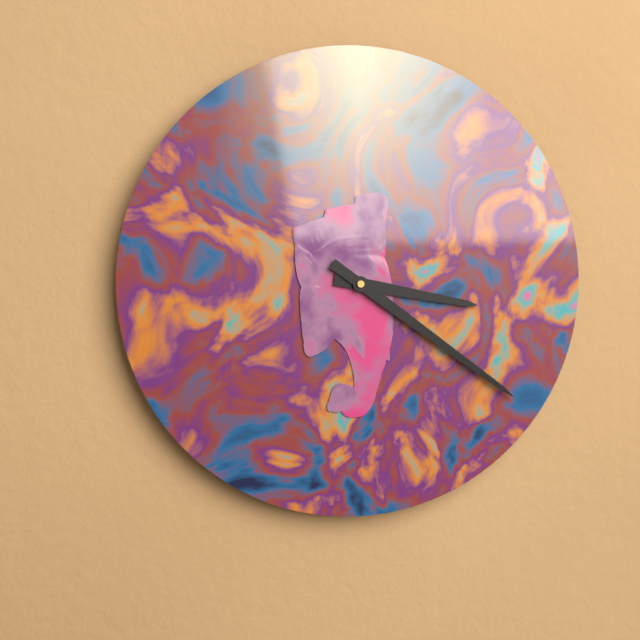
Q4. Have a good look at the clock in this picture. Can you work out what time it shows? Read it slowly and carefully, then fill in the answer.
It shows 3:21
